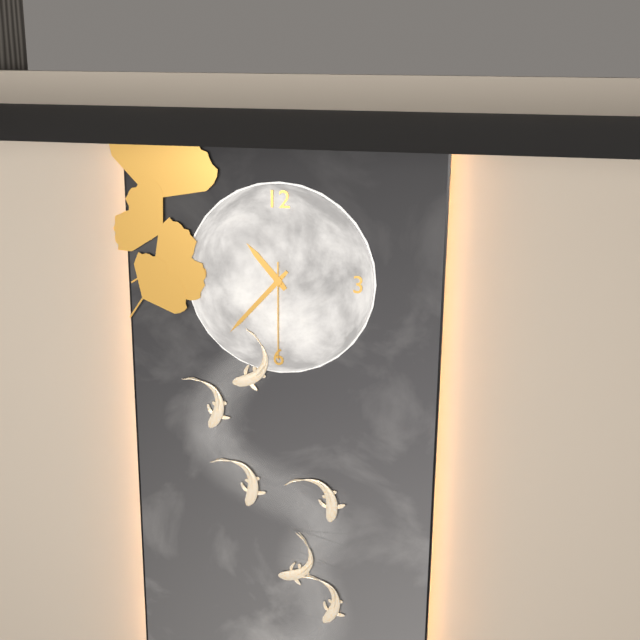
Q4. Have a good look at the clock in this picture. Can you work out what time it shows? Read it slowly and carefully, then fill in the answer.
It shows 10:37:30
